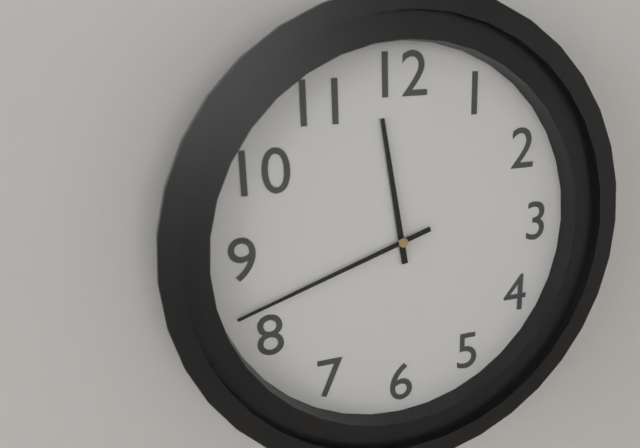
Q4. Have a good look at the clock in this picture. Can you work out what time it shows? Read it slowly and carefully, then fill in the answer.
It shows 11:42
